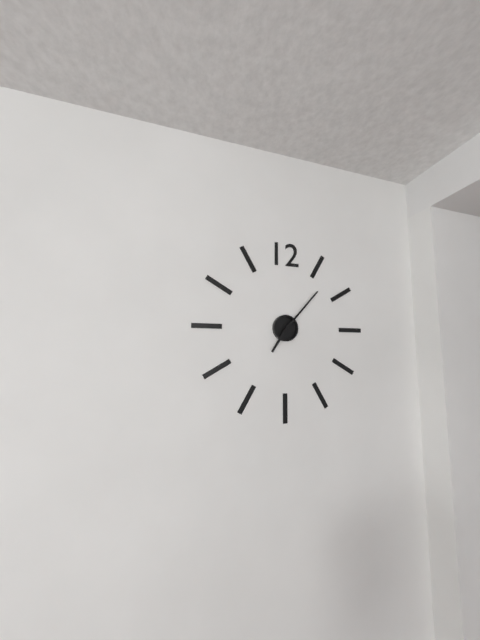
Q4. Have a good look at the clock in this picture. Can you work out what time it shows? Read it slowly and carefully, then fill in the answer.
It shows 7:07
